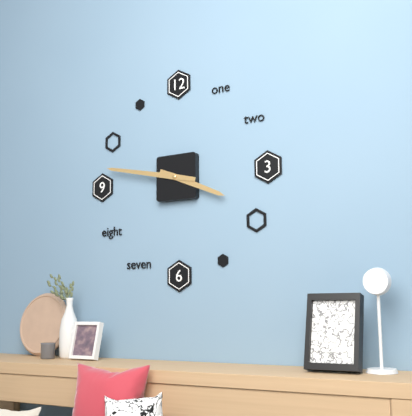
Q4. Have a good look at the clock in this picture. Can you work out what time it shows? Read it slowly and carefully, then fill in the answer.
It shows 3:47
